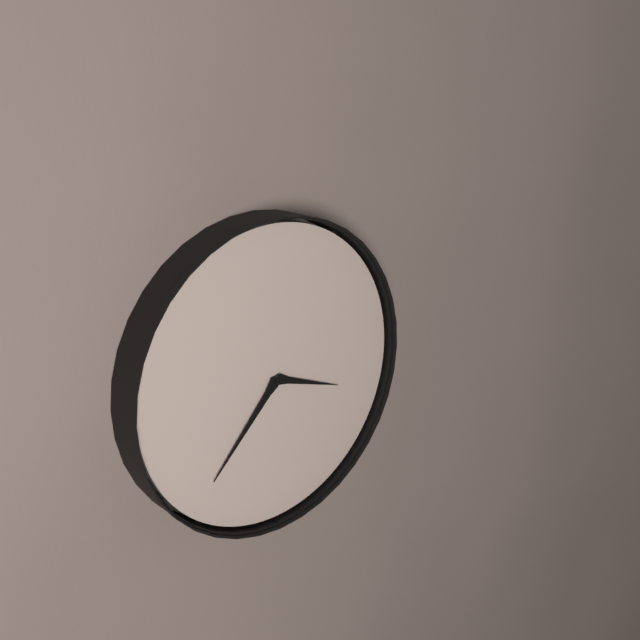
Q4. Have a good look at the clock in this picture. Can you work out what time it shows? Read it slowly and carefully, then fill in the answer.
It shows 3:37
